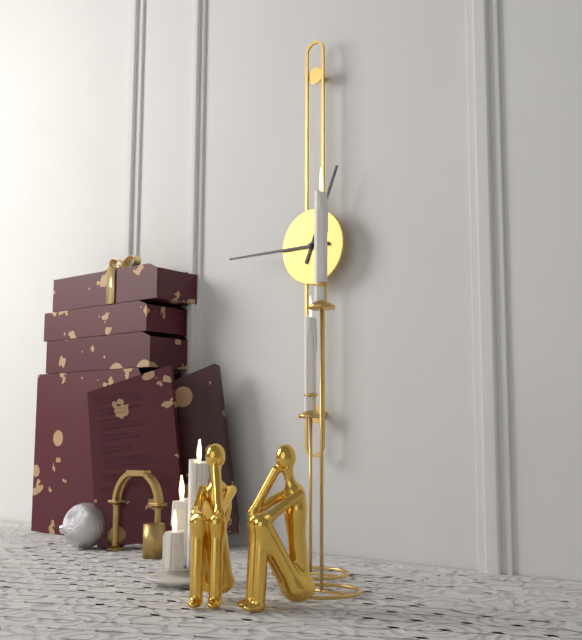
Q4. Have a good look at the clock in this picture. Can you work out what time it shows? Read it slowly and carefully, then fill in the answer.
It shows 12:45
